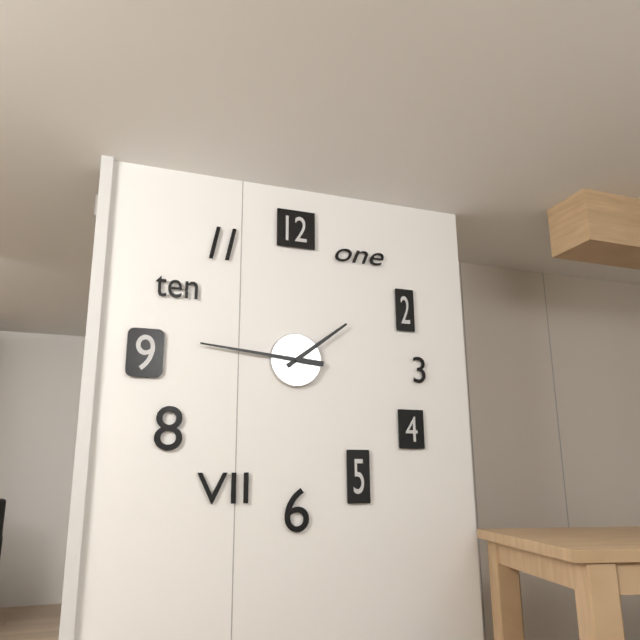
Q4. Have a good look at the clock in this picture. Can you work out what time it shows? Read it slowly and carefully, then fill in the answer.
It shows 1:46
